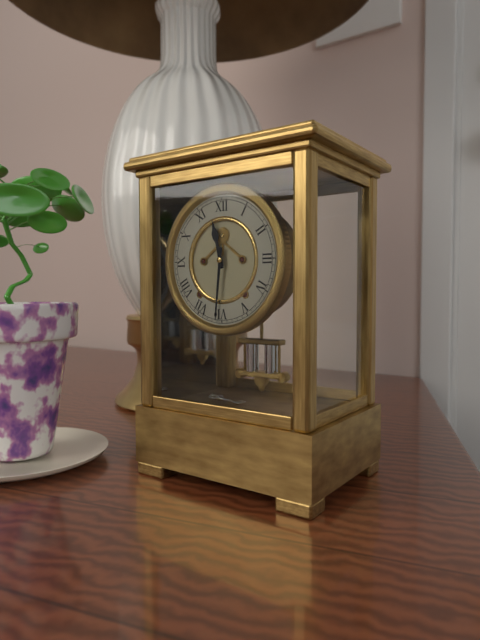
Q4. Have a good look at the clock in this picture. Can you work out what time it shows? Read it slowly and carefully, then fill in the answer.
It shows 11:31
